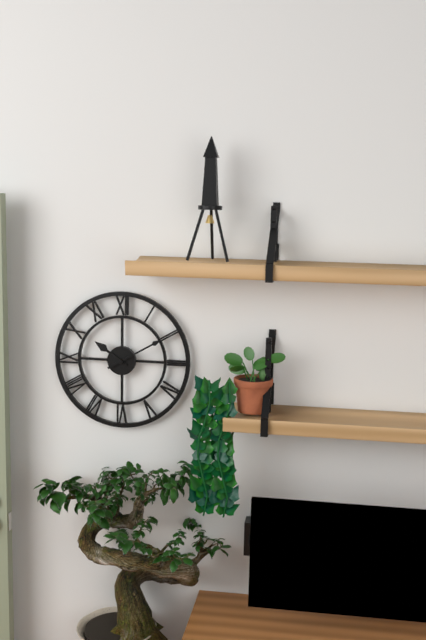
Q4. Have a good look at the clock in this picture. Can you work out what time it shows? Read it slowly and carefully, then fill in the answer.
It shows 10:10
